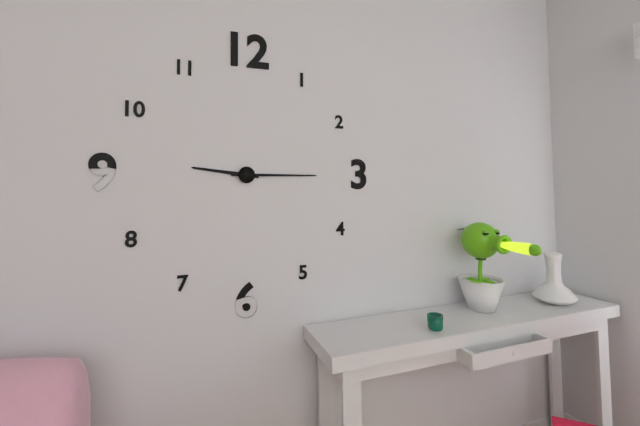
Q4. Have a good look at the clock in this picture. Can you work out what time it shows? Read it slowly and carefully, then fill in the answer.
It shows 9:15
